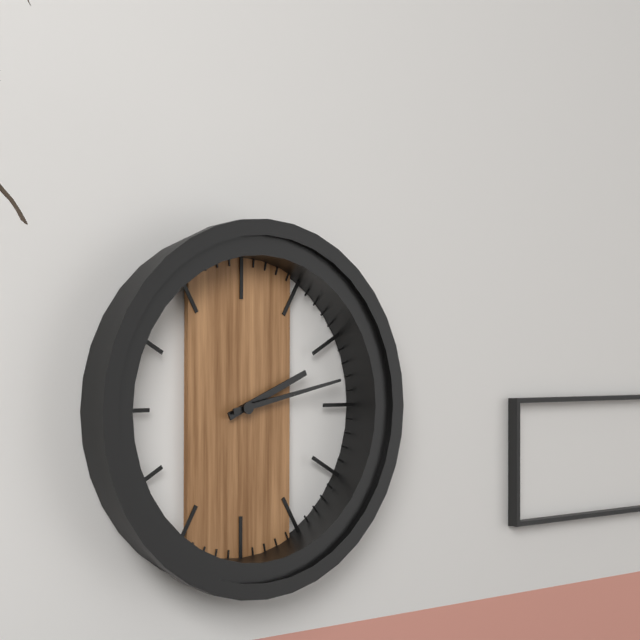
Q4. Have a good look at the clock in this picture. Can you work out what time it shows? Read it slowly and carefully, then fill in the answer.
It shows 2:13
